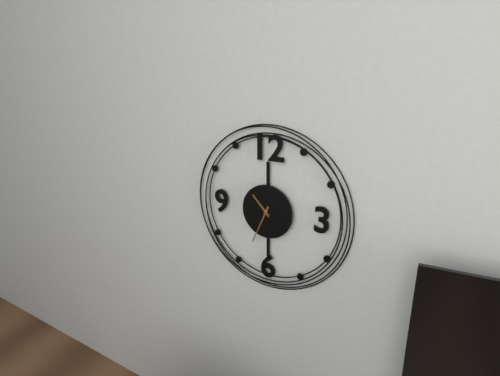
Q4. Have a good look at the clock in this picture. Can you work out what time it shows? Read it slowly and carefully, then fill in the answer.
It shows 10:34
